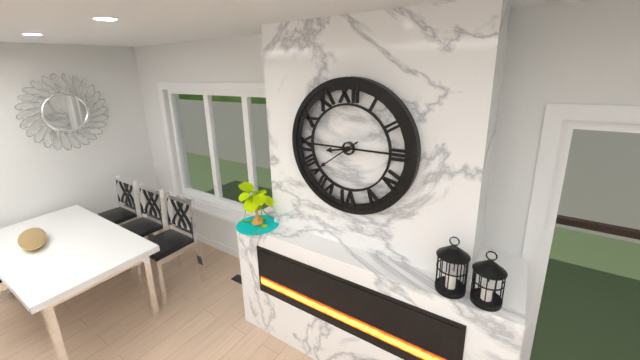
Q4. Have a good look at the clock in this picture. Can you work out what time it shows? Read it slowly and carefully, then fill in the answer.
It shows 8:39
